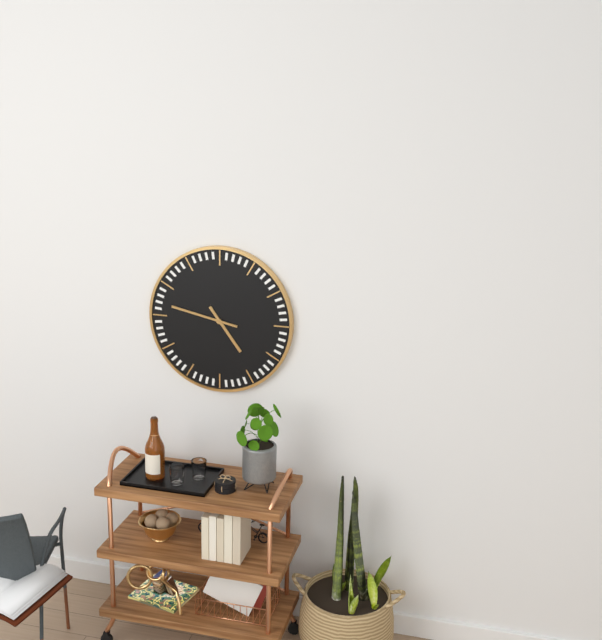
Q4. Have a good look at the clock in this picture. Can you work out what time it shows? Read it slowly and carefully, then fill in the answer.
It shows 4:47
